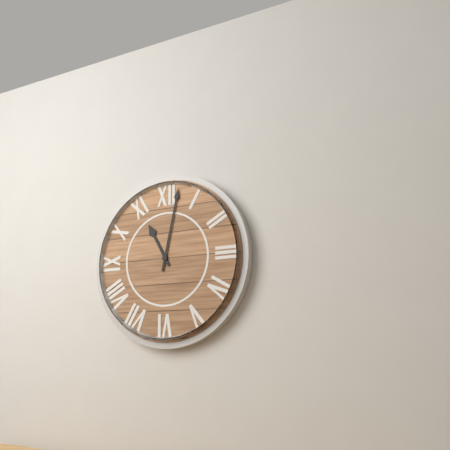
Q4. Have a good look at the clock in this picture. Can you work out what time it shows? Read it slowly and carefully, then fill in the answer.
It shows 11:02
